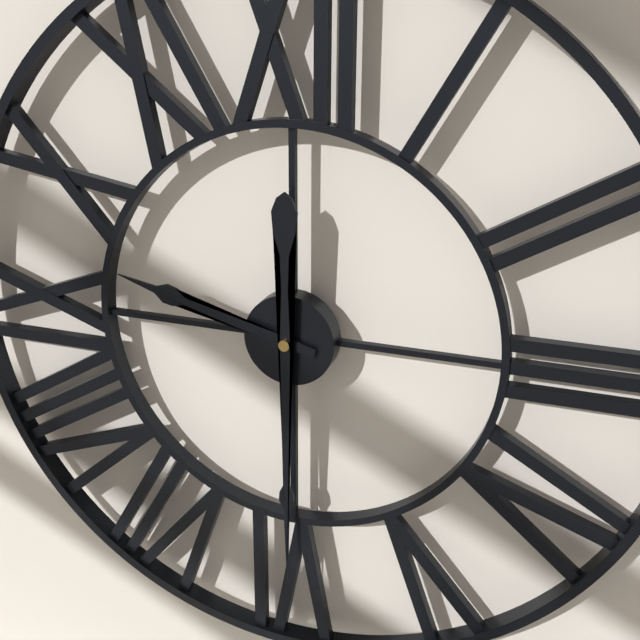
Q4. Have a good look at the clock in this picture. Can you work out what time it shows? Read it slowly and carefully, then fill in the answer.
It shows 9:30
